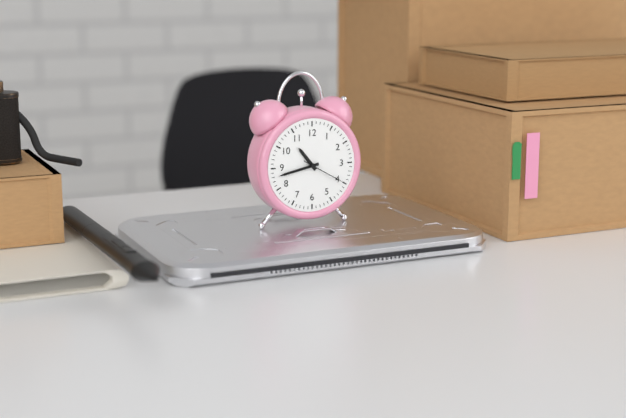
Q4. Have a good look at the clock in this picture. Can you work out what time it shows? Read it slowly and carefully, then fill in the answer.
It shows 10:43
